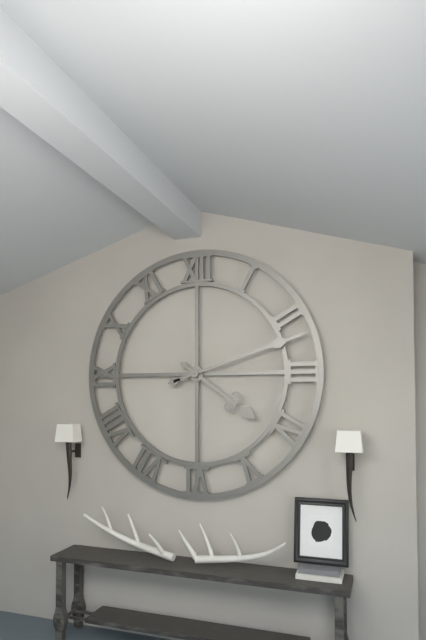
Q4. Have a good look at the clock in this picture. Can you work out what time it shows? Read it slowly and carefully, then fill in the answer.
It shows 4:12
